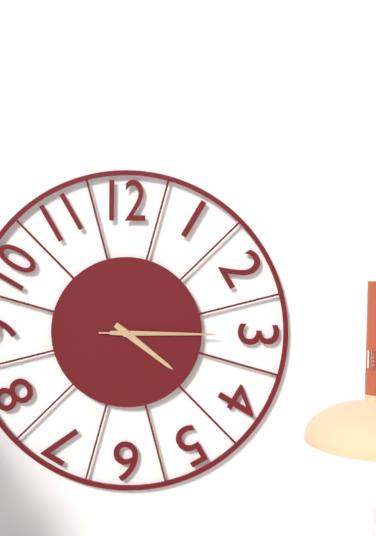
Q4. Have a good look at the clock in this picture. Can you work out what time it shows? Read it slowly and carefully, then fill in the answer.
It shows 4:15:15
